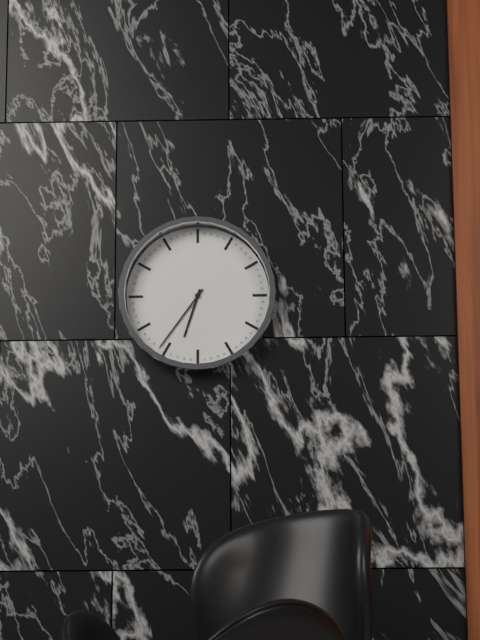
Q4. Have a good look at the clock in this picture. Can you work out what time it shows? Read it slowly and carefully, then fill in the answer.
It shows 6:36
